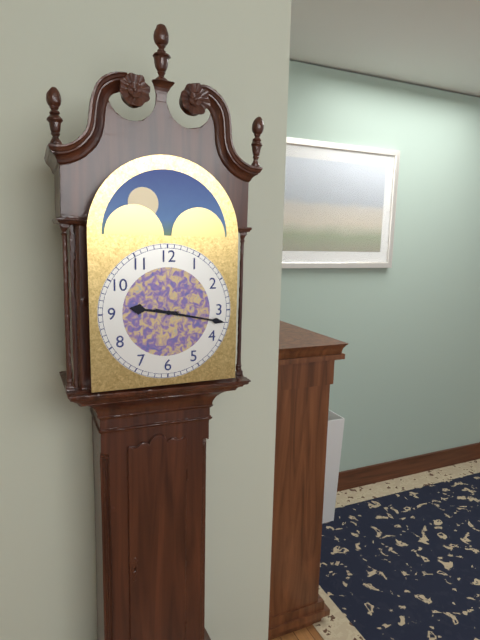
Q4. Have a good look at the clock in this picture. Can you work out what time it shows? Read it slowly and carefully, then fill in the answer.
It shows 9:17
